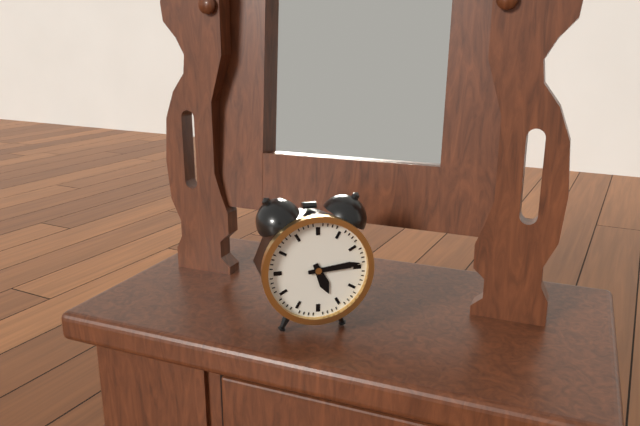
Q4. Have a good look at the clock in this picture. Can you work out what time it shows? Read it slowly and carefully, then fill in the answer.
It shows 5:14
